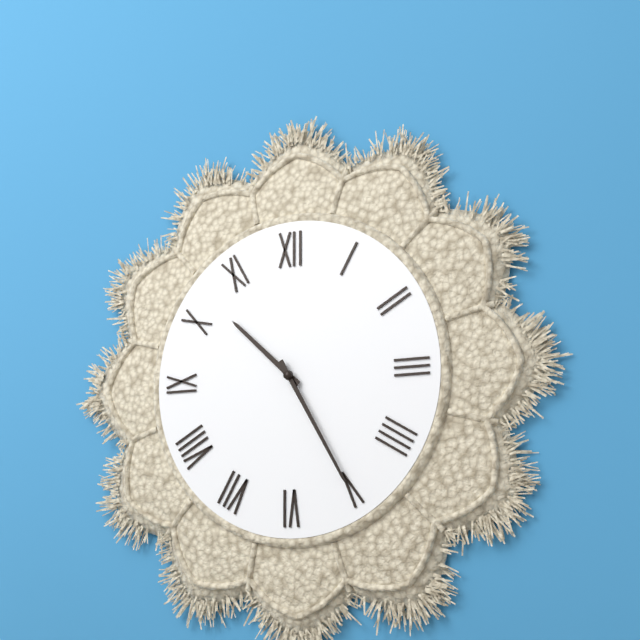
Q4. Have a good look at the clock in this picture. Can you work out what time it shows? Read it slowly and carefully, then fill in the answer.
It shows 10:25
